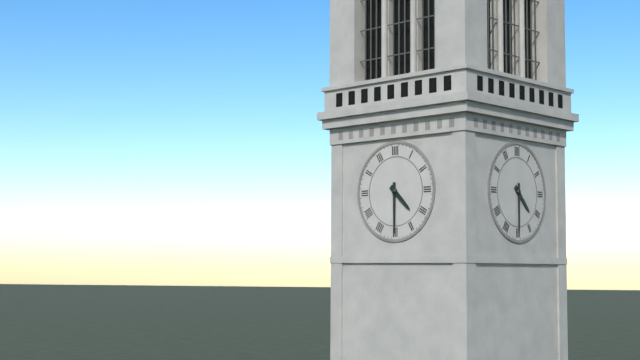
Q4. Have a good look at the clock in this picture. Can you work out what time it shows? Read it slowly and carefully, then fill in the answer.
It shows 4:30
